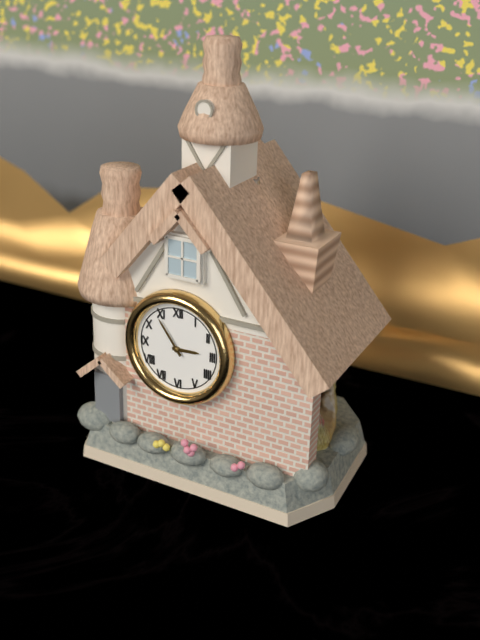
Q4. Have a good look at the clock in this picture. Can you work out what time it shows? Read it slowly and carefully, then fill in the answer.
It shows 2:54
